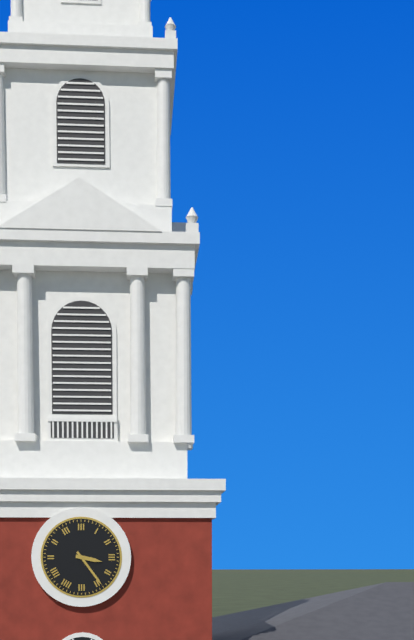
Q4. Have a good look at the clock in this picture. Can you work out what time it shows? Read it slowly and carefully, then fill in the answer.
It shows 3:24
